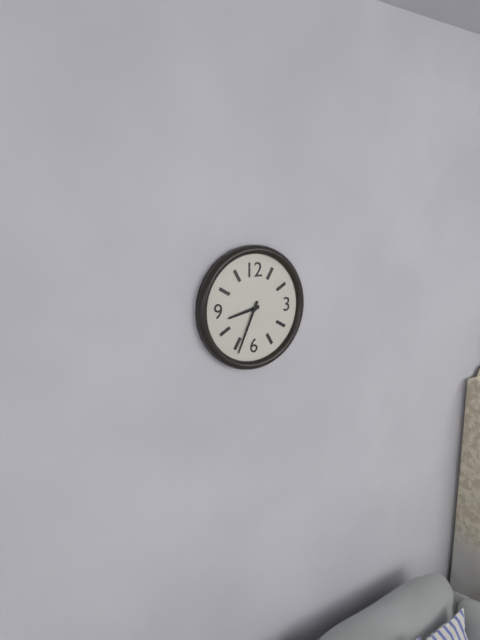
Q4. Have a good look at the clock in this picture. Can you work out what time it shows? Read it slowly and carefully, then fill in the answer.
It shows 8:34
